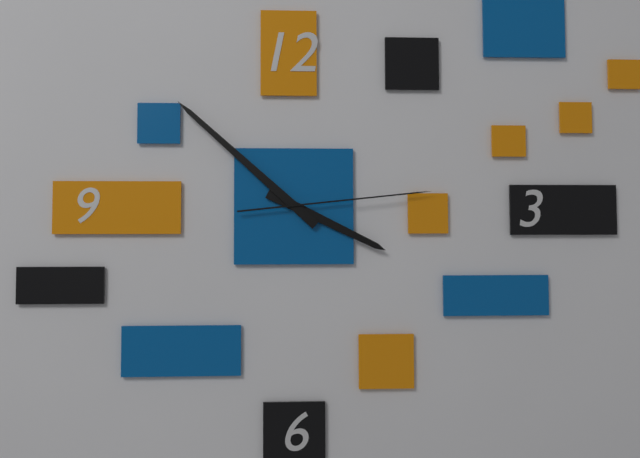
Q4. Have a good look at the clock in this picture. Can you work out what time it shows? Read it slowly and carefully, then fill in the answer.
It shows 3:52:14
